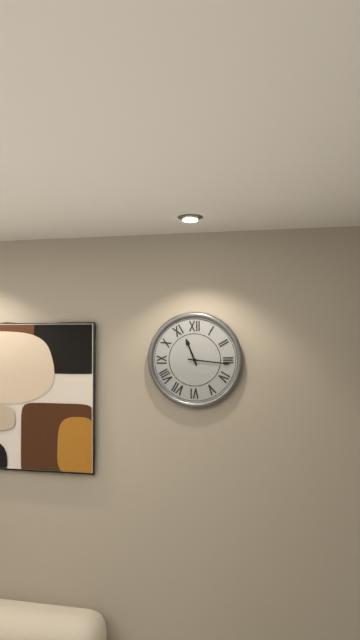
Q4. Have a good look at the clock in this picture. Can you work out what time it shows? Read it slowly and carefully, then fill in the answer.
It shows 11:16
